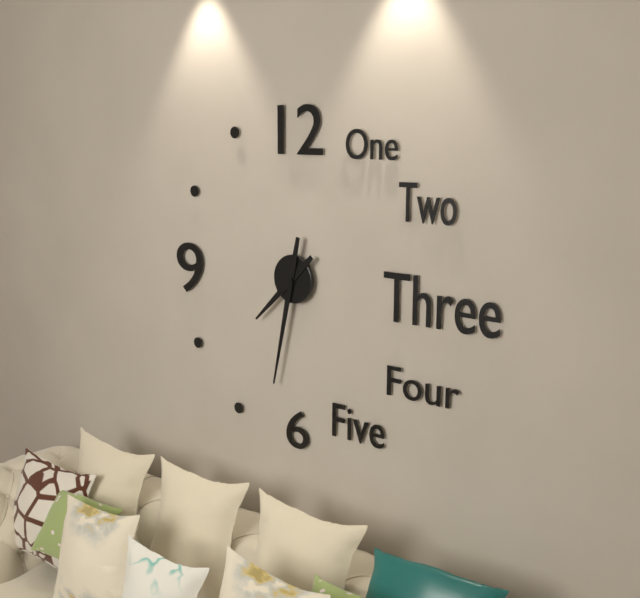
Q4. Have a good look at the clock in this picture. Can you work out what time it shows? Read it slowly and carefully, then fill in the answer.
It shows 7:32
